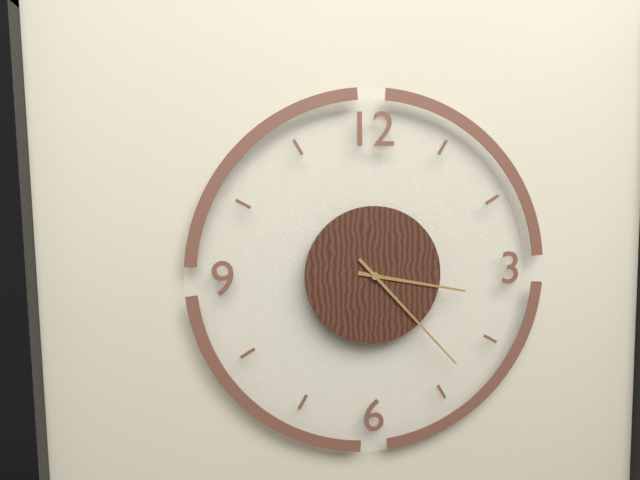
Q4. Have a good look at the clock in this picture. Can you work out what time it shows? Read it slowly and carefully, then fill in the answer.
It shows 3:23
